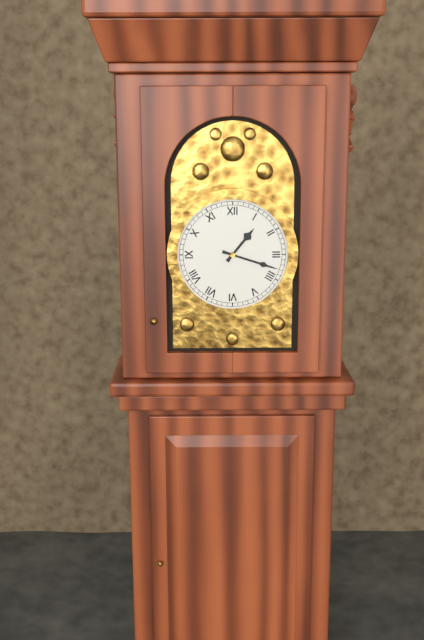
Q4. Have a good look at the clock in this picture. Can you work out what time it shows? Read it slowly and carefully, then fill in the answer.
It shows 1:18
